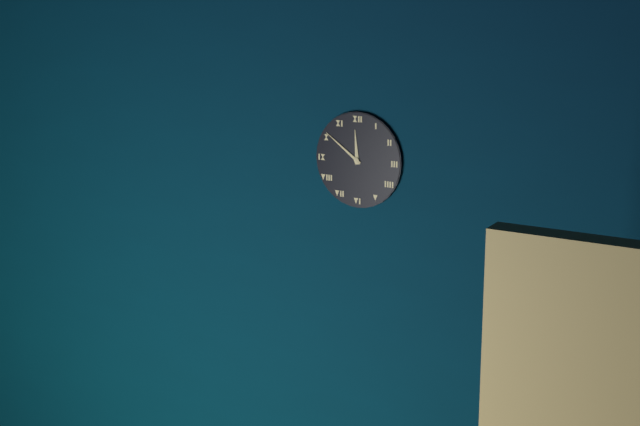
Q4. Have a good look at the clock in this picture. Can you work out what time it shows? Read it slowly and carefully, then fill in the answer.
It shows 11:51
